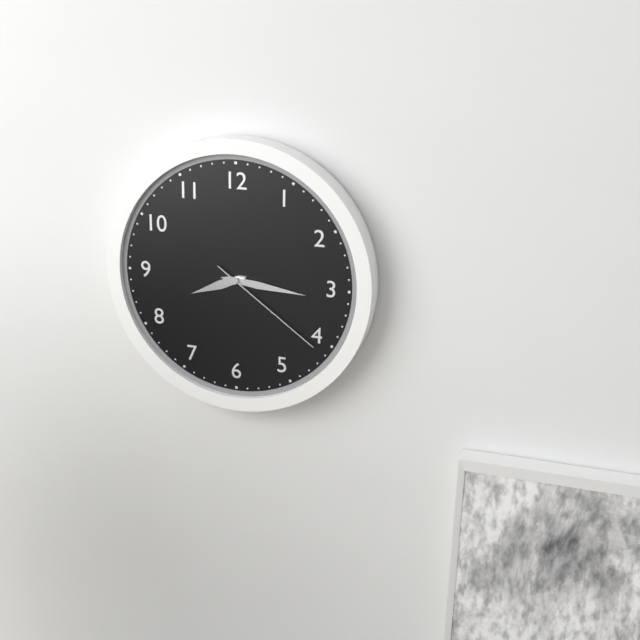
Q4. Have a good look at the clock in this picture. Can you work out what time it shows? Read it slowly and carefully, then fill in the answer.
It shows 8:16:21
